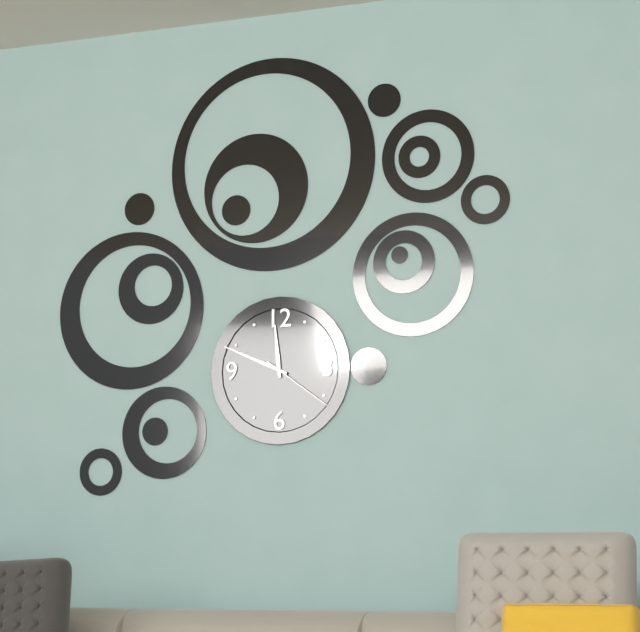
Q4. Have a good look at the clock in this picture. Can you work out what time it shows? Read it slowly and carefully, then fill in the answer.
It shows 11:49:21
